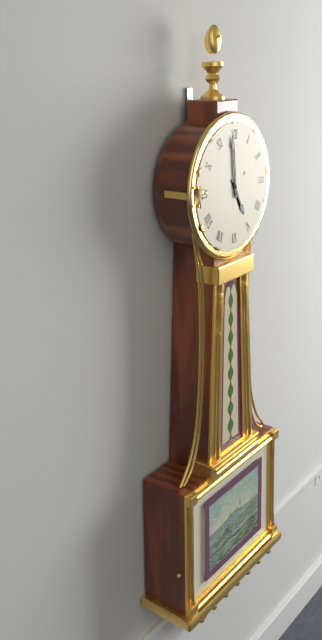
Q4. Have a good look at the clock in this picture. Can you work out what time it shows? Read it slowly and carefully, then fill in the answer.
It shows 4:59
